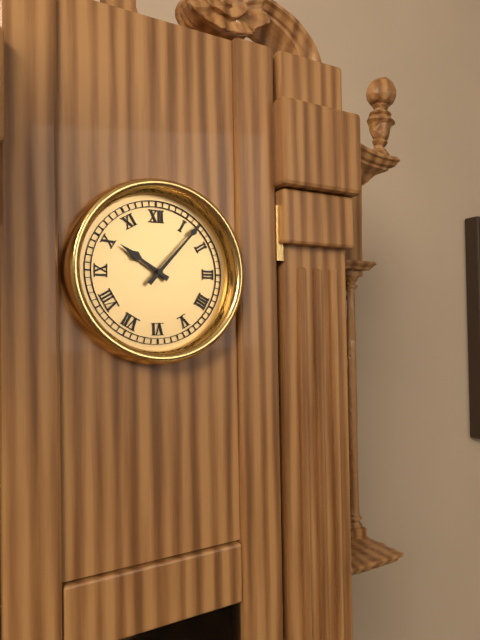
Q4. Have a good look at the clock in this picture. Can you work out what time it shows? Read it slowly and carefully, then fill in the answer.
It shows 10:07
